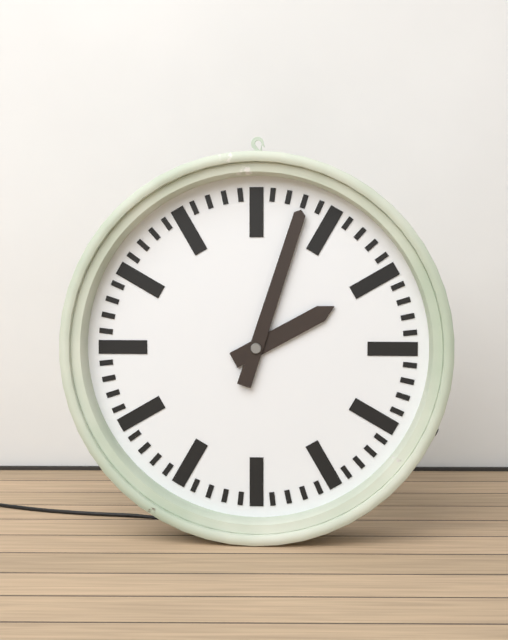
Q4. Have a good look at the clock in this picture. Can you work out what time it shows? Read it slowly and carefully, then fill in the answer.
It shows 2:03
